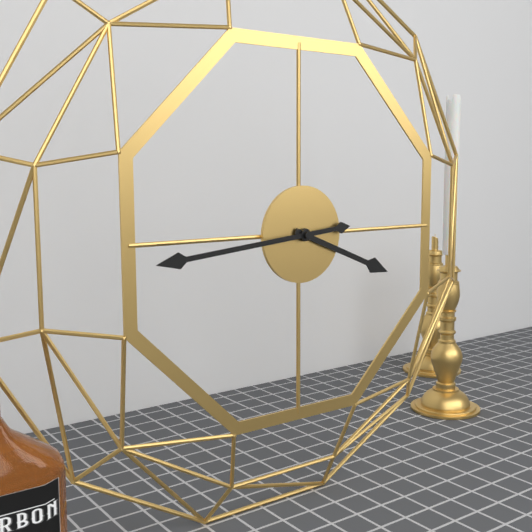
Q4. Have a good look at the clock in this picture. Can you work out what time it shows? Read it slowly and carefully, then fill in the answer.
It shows 3:44
